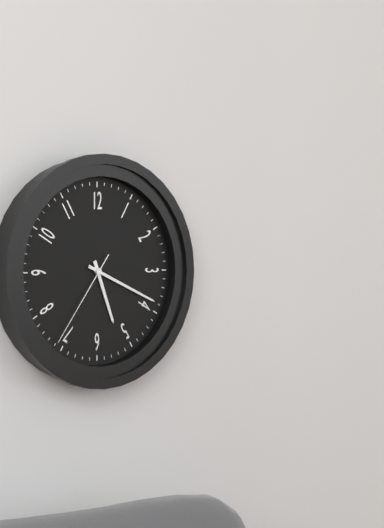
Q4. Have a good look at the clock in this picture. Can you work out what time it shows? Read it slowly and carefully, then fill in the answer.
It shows 5:19:36
